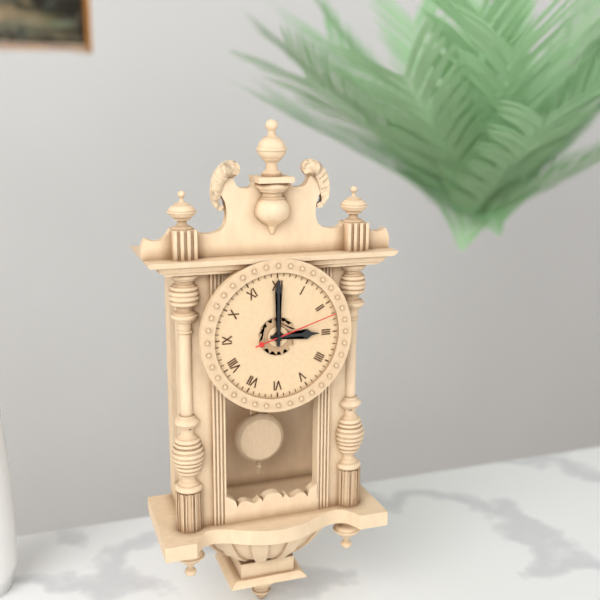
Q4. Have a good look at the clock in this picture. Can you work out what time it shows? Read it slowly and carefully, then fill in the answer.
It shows 3:00:12
